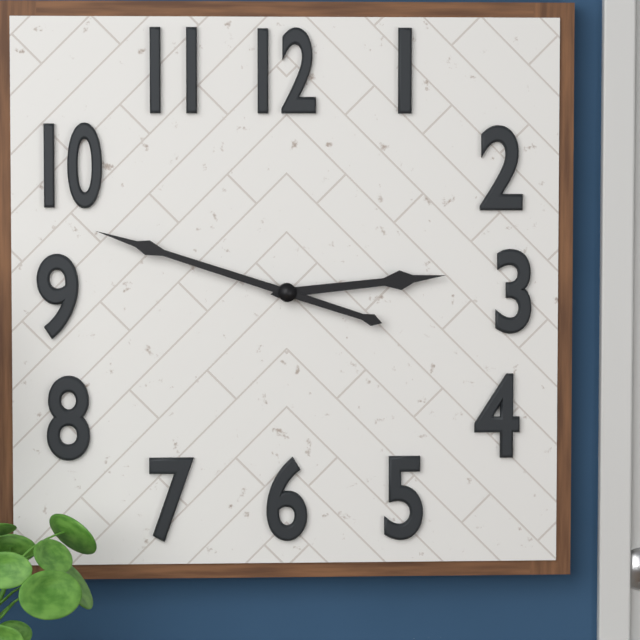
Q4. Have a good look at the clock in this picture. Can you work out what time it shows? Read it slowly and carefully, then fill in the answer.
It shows 2:48
